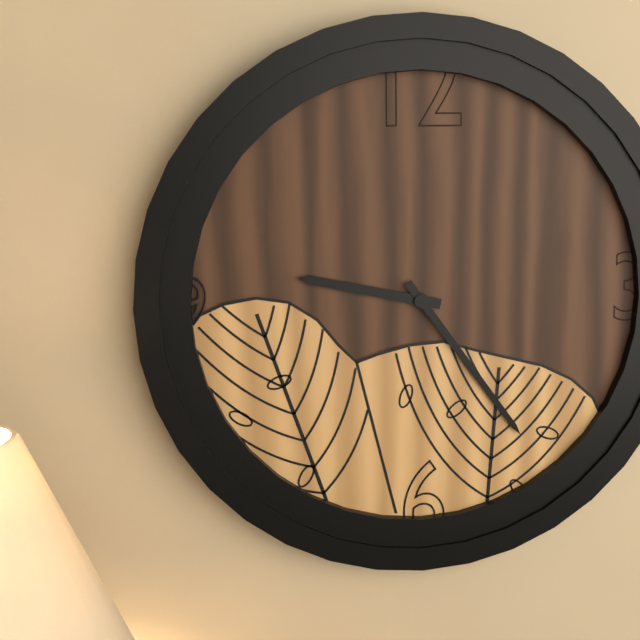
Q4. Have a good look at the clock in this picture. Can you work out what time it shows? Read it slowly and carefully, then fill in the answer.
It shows 9:24
